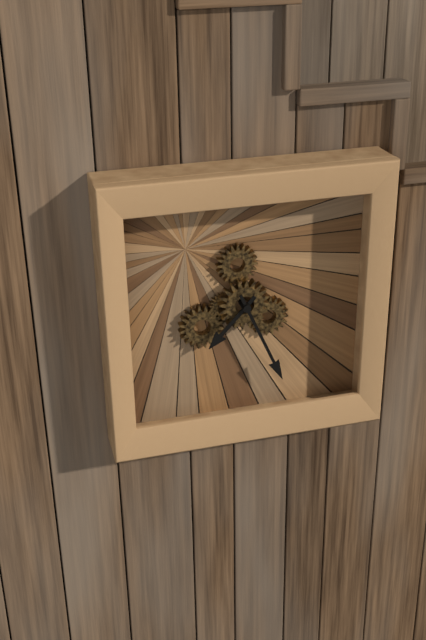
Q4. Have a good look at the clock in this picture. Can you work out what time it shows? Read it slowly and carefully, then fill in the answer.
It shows 7:26
